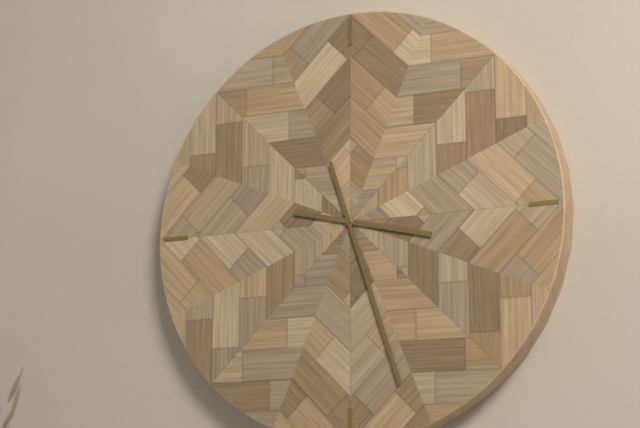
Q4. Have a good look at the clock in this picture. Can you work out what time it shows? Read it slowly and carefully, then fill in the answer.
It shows 3:27
